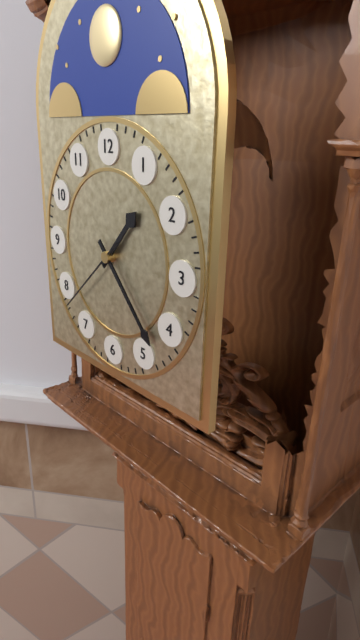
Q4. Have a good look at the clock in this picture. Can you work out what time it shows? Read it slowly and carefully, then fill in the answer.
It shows 1:23:38
